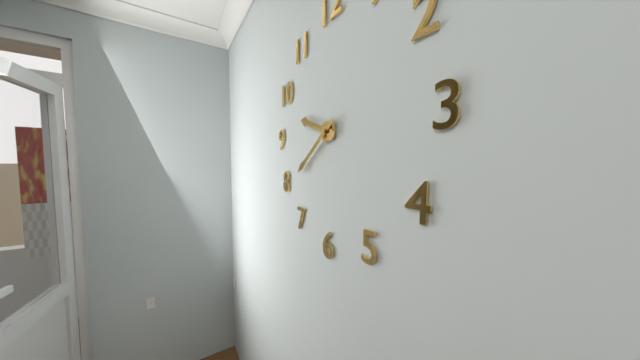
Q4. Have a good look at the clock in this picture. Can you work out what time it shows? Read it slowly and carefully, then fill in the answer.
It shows 9:39
